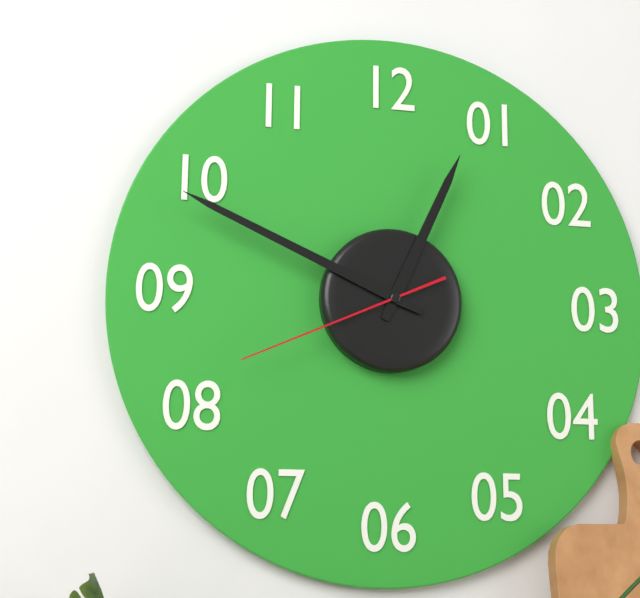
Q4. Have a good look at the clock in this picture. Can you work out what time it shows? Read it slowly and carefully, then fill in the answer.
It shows 12:49:41
